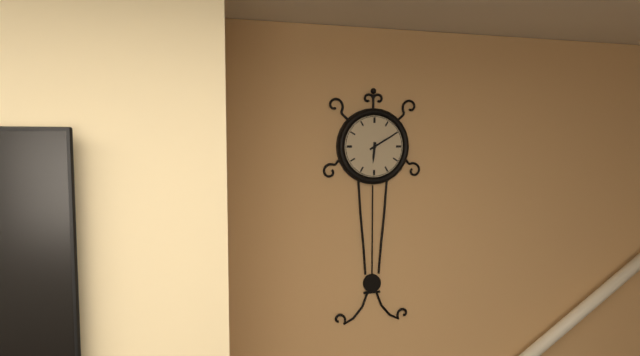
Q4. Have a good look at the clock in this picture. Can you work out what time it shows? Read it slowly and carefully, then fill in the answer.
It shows 6:10
